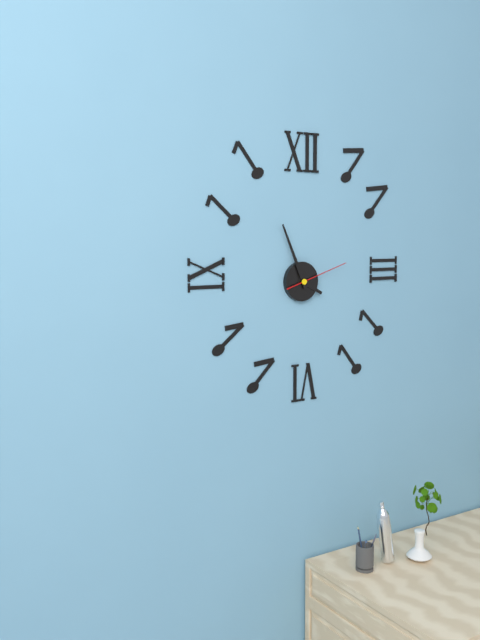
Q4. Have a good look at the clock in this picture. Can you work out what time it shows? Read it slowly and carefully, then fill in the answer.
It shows 3:56:12
